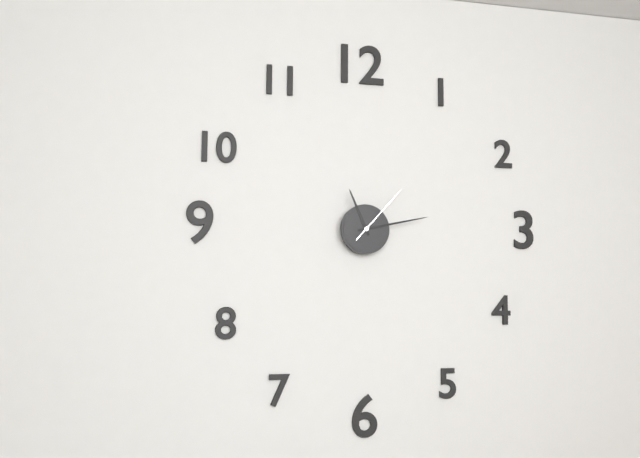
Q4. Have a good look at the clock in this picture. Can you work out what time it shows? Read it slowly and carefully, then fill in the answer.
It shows 11:13:07
